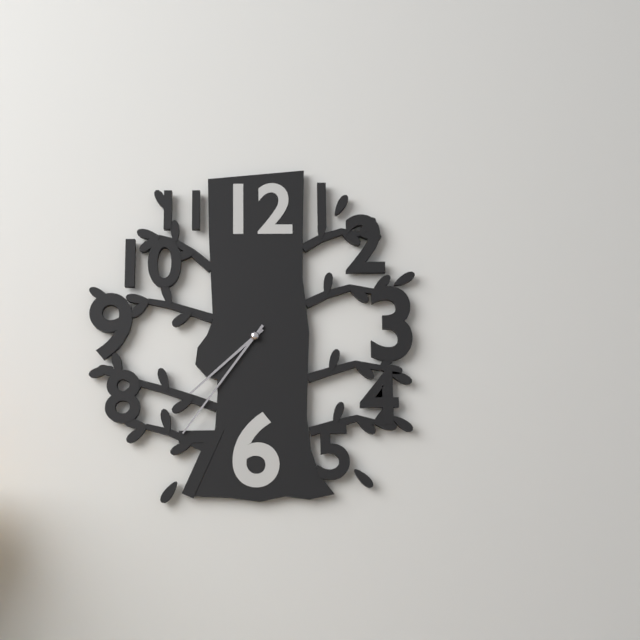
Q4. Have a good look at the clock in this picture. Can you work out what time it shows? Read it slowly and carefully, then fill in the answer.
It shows 7:36
